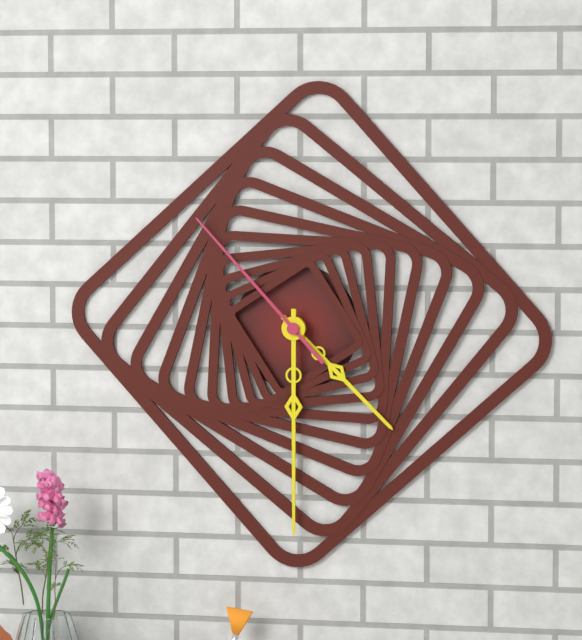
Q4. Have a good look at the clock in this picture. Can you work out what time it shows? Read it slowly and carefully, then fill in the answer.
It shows 4:30:53
